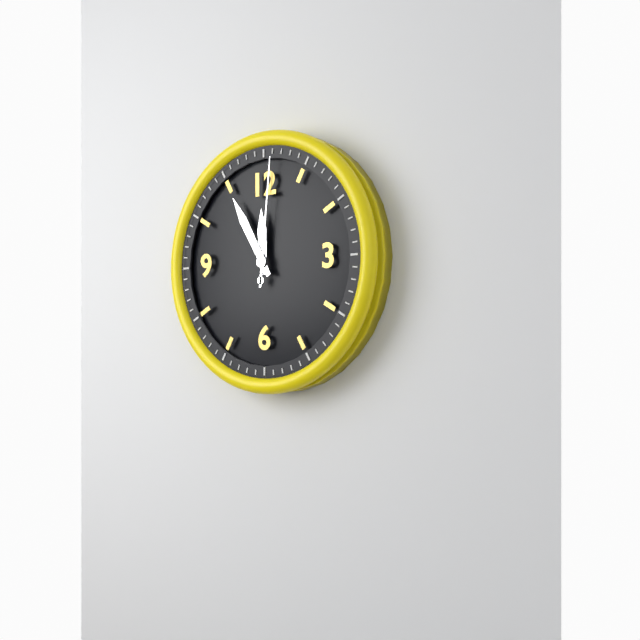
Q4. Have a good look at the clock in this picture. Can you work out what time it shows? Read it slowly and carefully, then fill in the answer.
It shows 11:55:01
